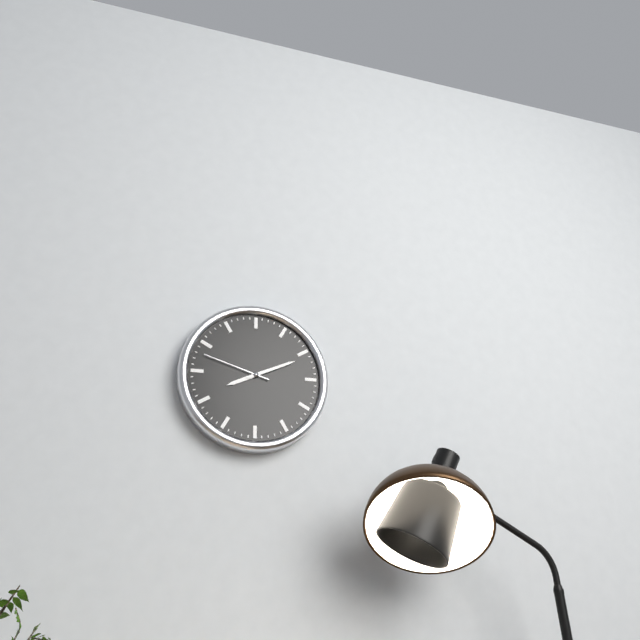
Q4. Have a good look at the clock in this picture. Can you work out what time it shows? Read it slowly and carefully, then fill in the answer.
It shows 8:11:48
